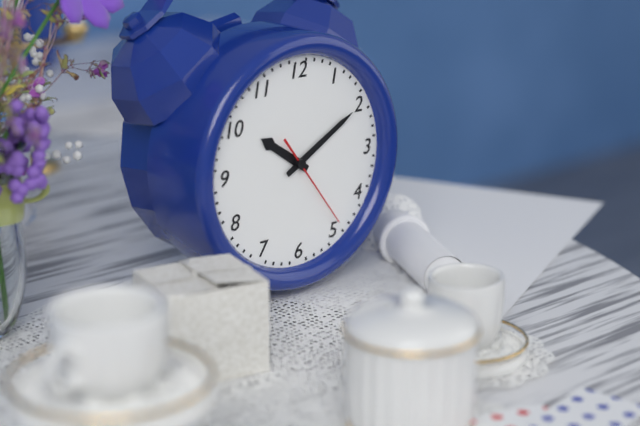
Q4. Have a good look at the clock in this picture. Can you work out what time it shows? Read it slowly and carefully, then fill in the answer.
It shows 10:10:24
